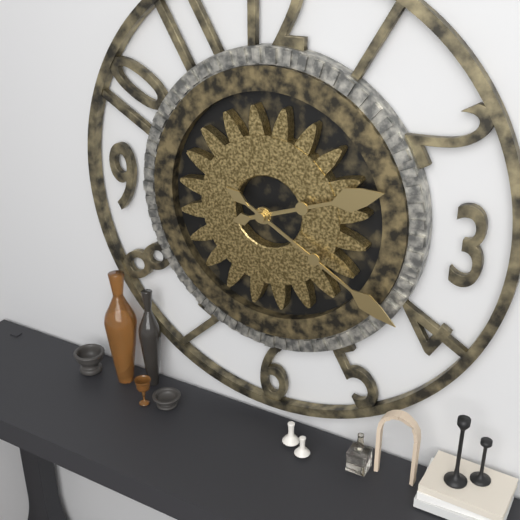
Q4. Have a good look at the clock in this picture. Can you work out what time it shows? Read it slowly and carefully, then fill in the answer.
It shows 2:20
